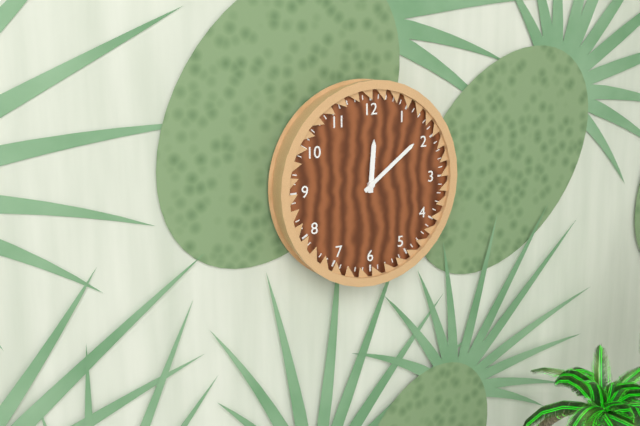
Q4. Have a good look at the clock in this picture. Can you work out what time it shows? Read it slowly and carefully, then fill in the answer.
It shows 12:09
